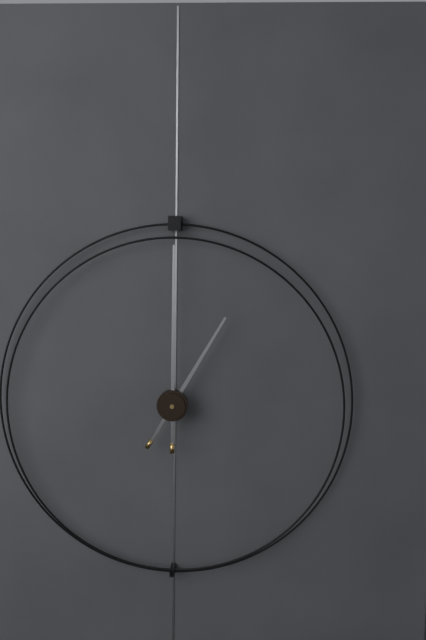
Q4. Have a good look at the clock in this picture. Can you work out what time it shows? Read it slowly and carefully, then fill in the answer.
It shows 1:00
